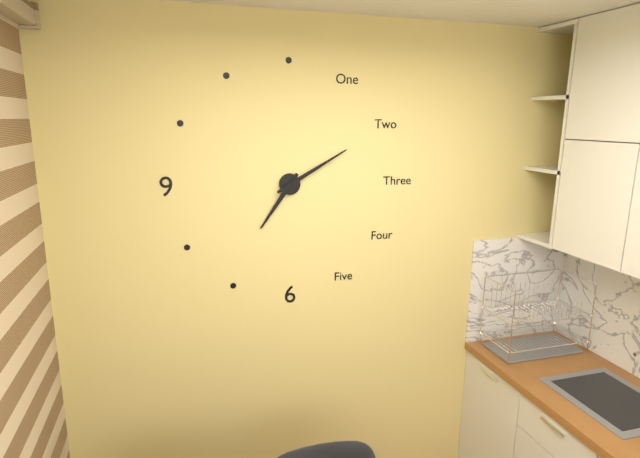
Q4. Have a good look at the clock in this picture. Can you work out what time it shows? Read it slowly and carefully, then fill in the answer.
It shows 7:10
